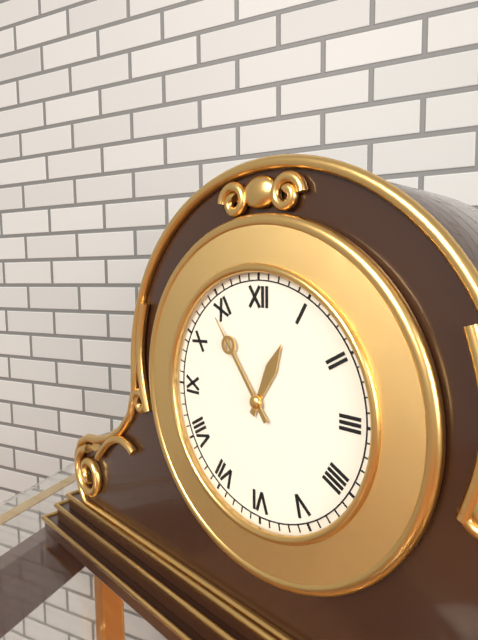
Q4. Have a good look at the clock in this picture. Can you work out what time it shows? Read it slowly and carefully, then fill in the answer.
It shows 12:54
